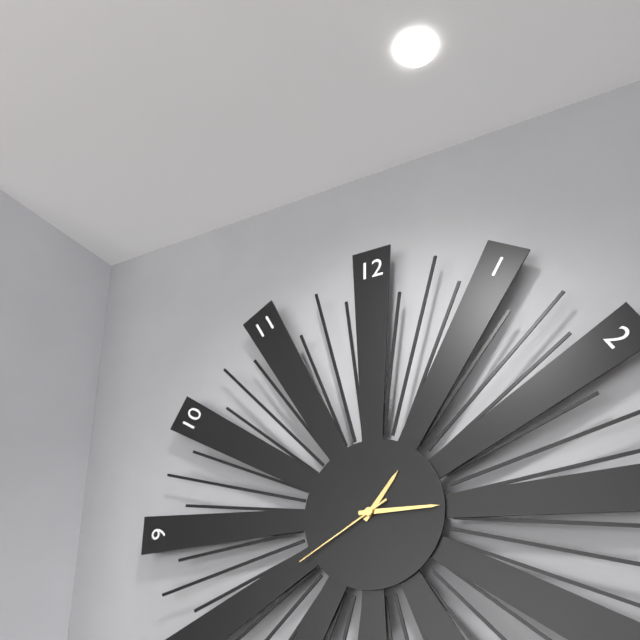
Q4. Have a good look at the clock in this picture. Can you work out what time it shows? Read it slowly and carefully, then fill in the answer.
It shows 1:15:40
